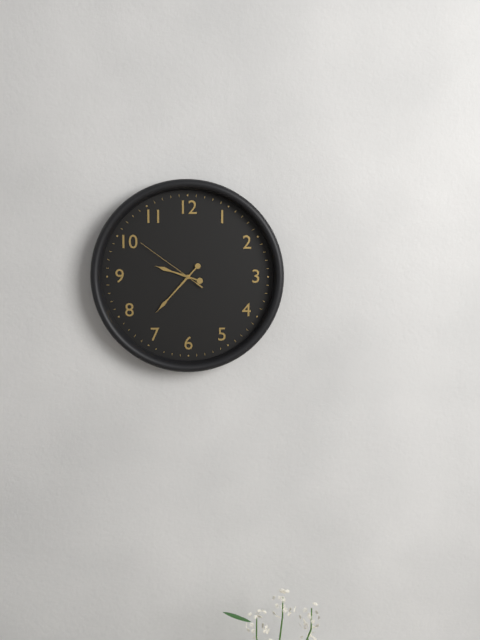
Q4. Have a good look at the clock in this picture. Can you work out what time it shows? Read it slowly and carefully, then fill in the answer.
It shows 9:37:51
